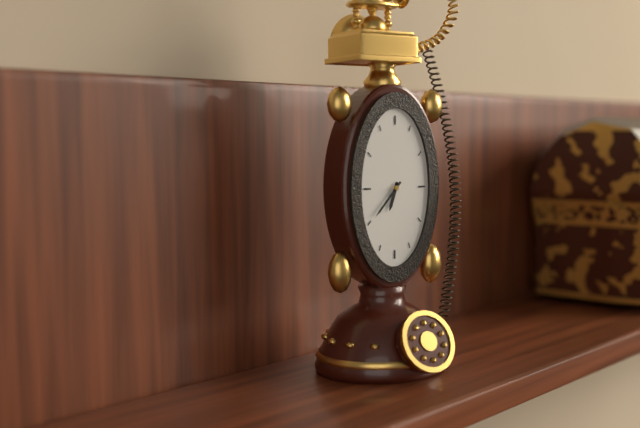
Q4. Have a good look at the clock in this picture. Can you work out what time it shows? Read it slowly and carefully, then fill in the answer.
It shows 6:37
